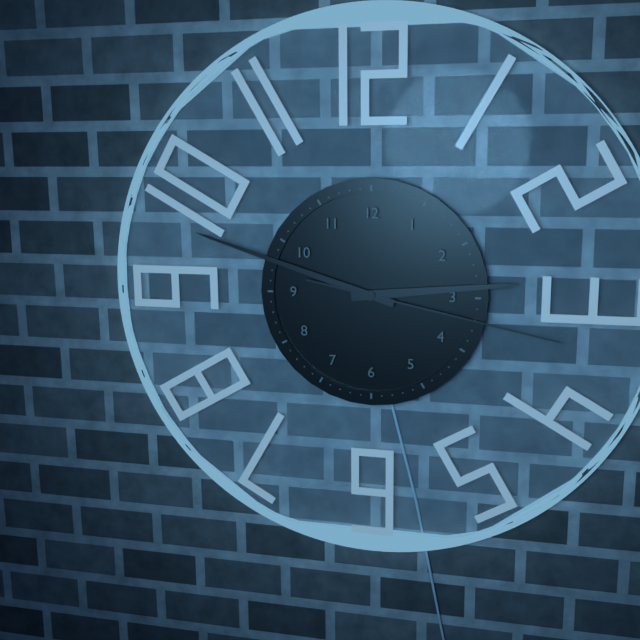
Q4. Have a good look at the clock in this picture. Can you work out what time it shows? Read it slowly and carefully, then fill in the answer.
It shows 2:48:17
